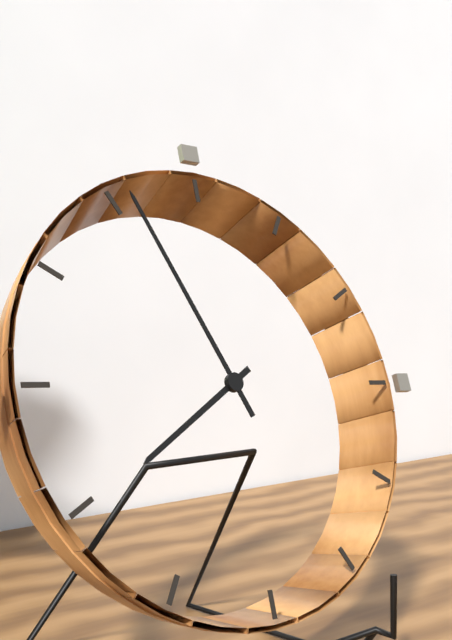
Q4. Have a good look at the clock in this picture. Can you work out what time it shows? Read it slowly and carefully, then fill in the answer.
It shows 7:56
